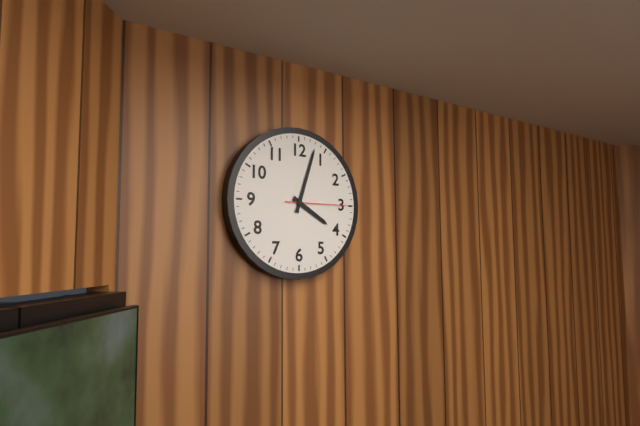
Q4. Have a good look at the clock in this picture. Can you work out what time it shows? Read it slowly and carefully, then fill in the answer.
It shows 4:03:15
